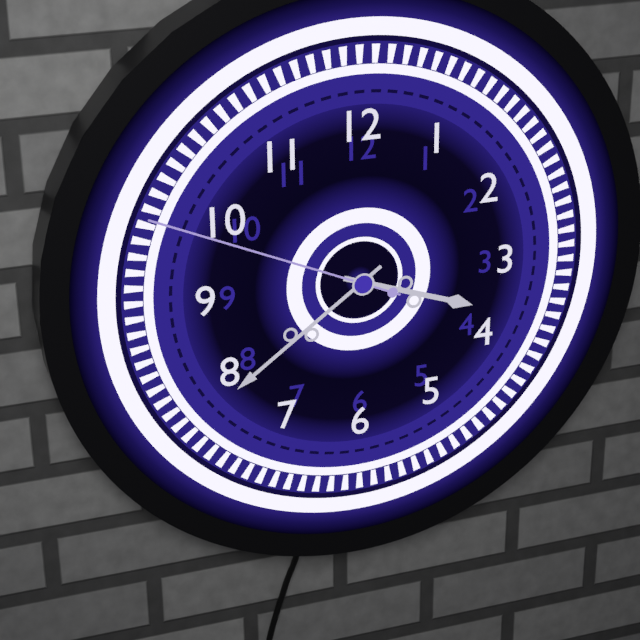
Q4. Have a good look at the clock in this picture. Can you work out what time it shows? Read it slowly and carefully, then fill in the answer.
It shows 3:39:49
